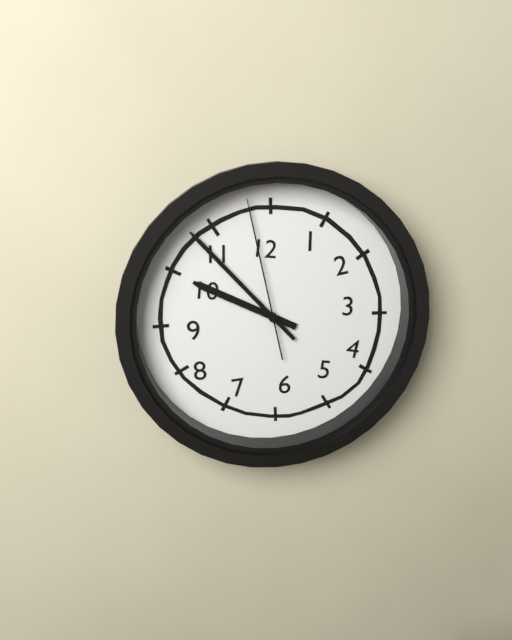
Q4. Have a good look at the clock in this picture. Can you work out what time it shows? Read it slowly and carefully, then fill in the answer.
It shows 9:53:58
